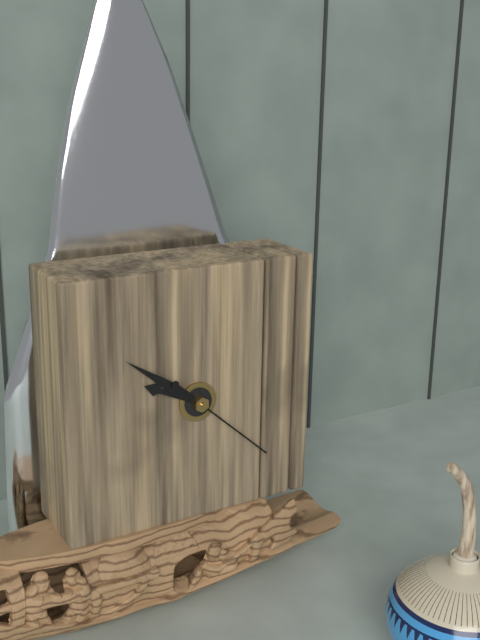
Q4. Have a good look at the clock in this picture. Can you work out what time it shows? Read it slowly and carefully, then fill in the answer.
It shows 9:51:22
